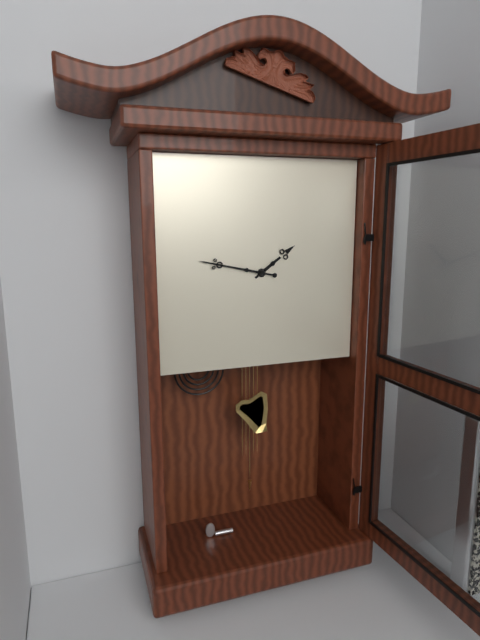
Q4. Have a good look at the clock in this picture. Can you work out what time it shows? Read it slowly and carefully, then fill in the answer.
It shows 1:47
